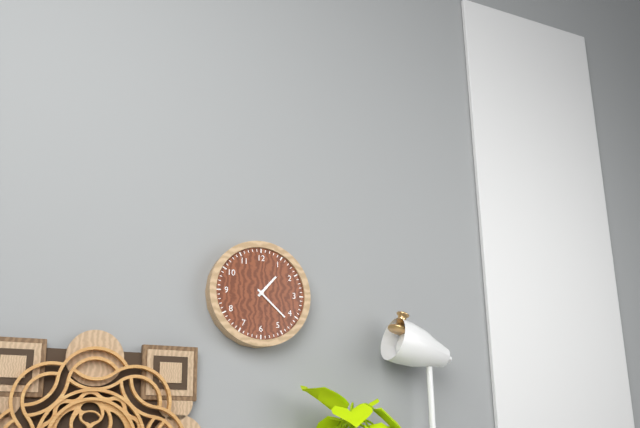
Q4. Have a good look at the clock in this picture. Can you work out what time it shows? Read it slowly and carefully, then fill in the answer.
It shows 1:22
